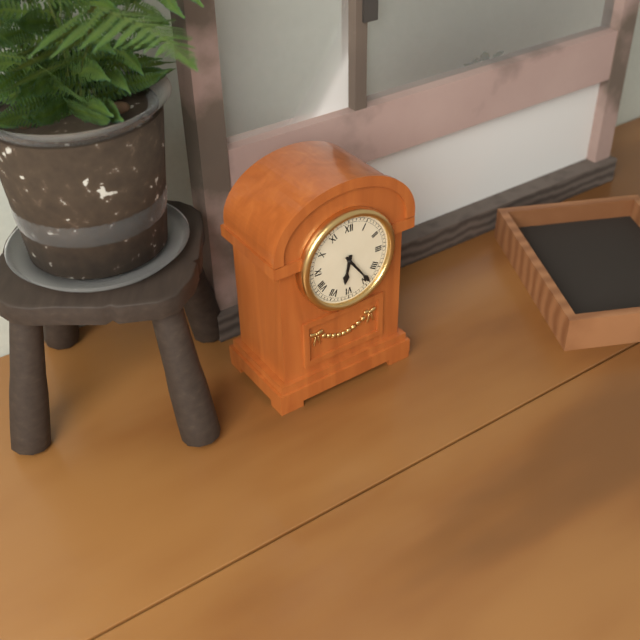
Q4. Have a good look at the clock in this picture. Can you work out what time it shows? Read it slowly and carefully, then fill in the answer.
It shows 6:24
